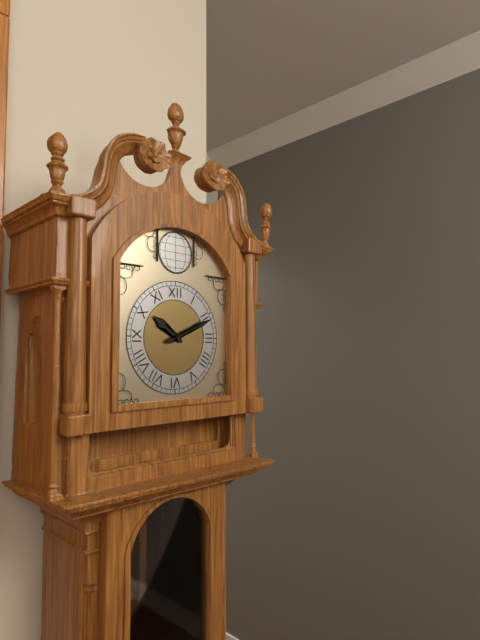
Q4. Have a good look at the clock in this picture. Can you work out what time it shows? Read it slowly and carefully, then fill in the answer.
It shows 10:11
